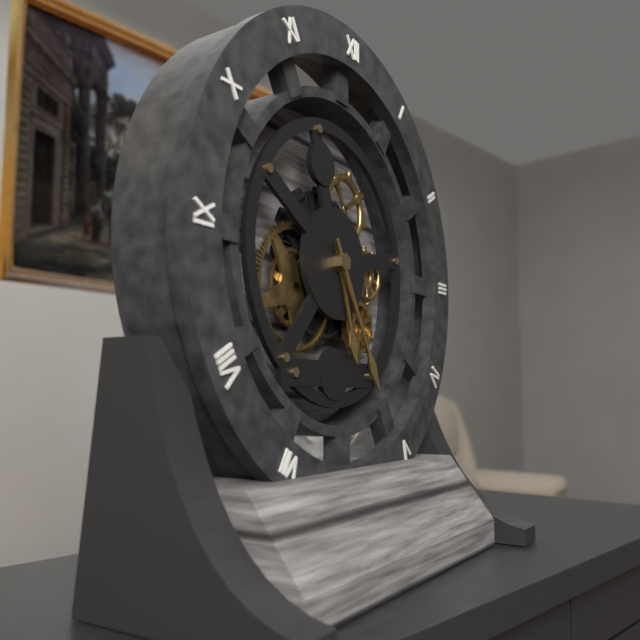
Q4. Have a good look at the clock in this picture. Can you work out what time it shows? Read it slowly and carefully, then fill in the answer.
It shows 5:25
